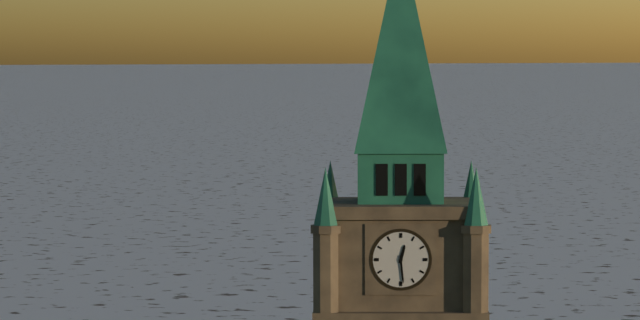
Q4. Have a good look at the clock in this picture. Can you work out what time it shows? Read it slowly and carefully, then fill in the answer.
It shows 12:29
